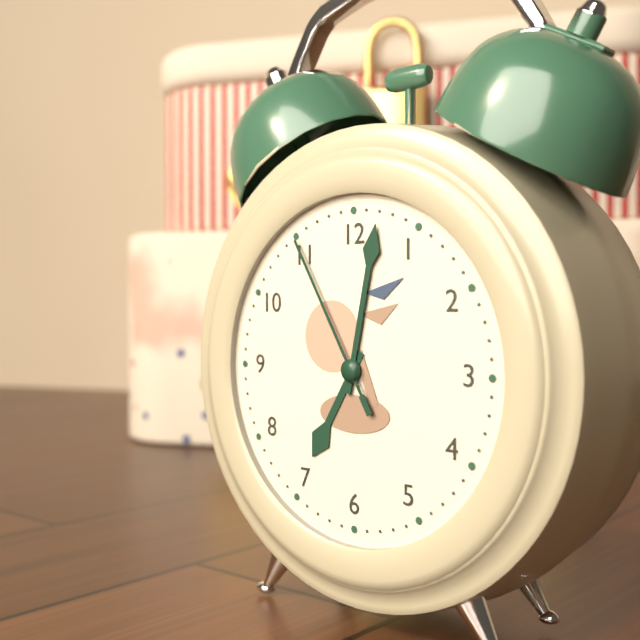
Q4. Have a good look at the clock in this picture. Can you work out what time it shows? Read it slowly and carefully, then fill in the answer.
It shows 7:02:55
